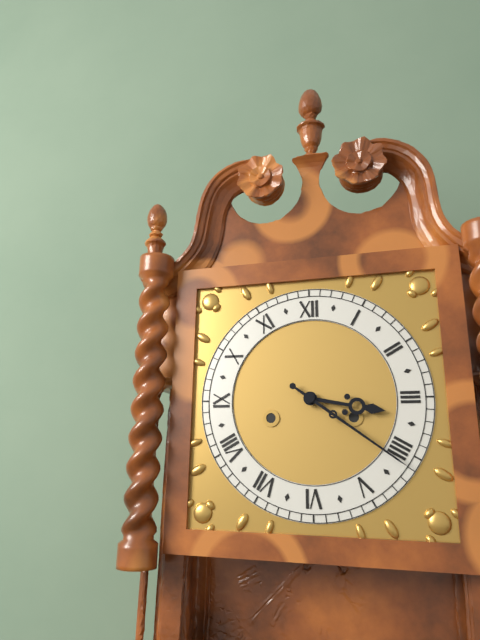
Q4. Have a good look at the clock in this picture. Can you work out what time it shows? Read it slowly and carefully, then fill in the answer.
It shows 3:21
